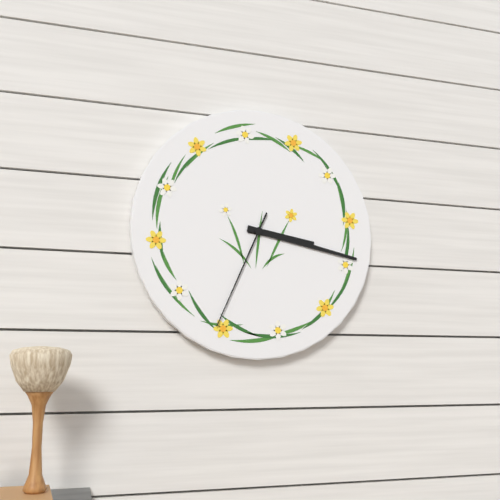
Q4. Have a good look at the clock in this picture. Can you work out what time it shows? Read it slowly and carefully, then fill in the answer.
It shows 3:17:34
